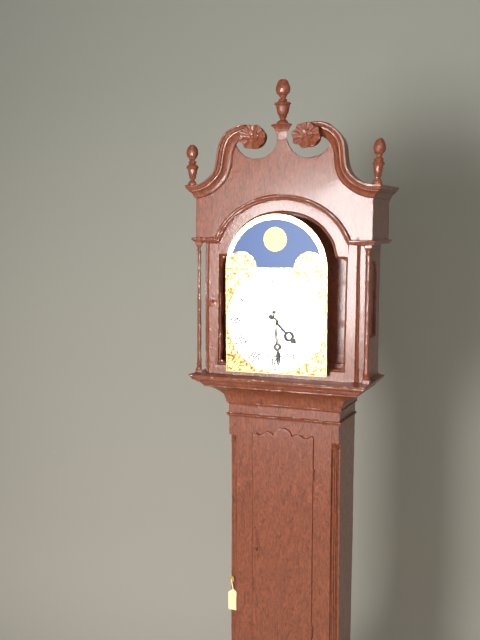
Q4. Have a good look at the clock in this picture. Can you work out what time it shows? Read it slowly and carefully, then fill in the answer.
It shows 4:29
